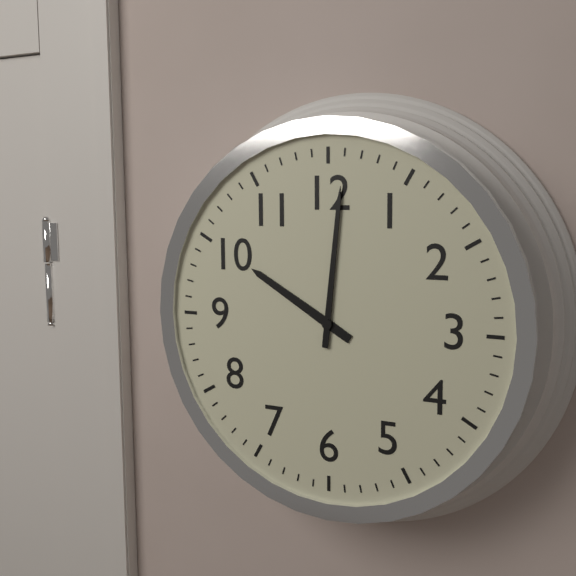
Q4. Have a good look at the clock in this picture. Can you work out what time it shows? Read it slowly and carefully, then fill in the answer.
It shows 10:01
